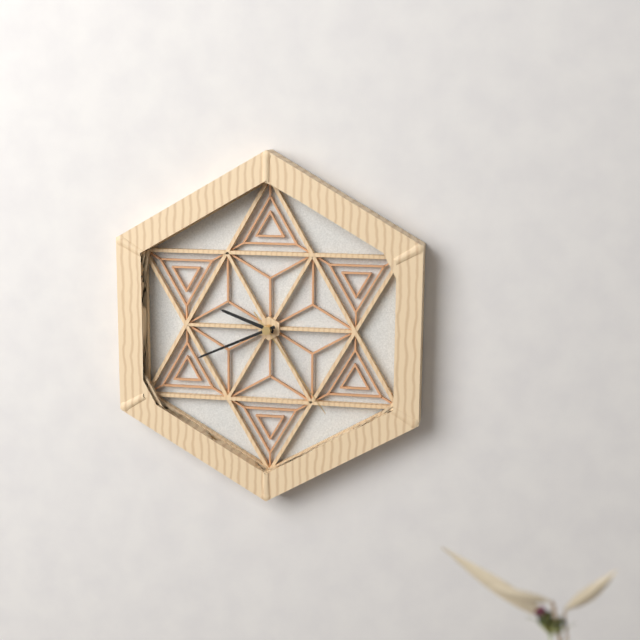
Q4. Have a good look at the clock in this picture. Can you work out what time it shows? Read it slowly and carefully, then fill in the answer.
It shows 9:41:24
